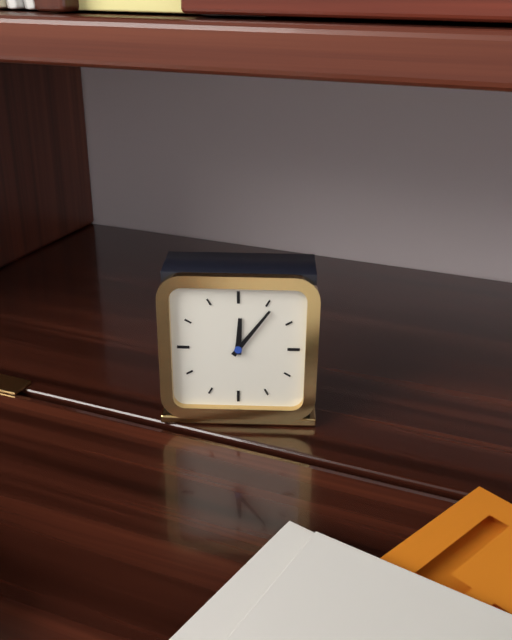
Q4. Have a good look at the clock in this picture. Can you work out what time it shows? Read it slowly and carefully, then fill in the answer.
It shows 12:06
